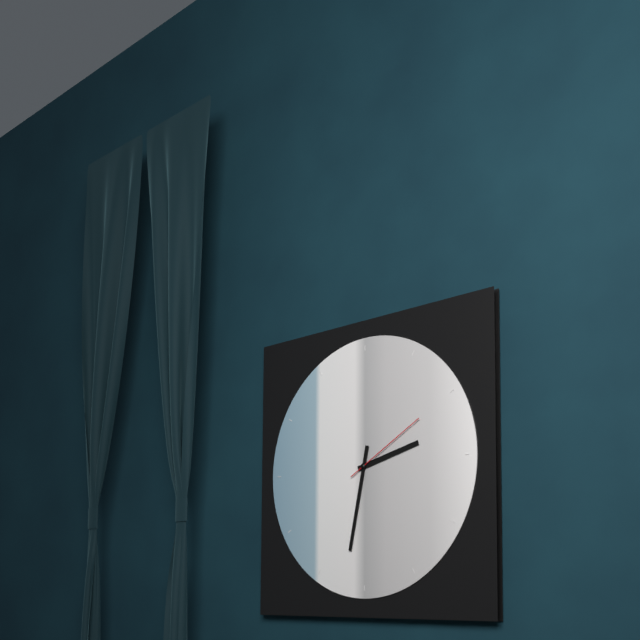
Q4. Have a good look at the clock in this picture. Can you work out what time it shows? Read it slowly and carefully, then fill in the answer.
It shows 2:32:10
